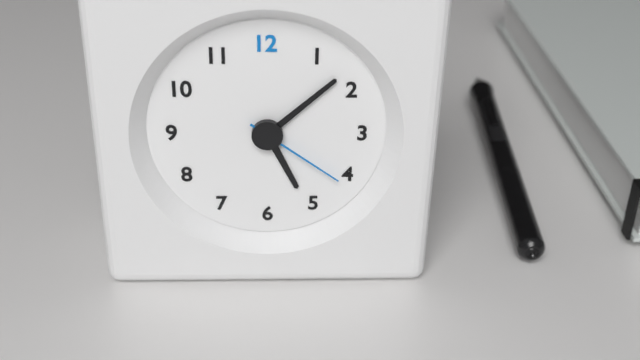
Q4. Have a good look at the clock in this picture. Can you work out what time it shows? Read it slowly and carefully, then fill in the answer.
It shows 5:08:21
